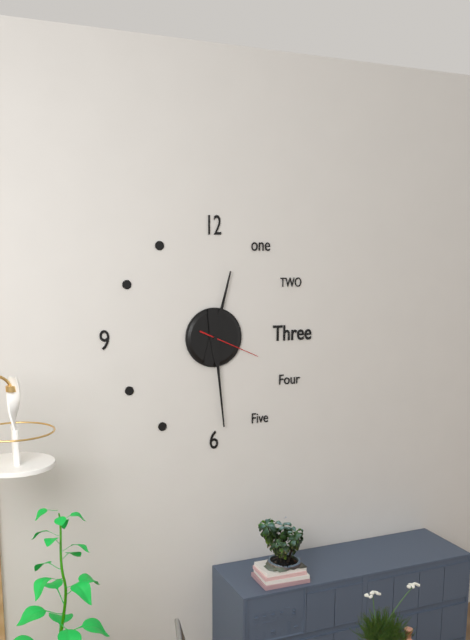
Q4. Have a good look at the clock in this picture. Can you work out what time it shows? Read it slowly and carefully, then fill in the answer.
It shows 12:29:19
